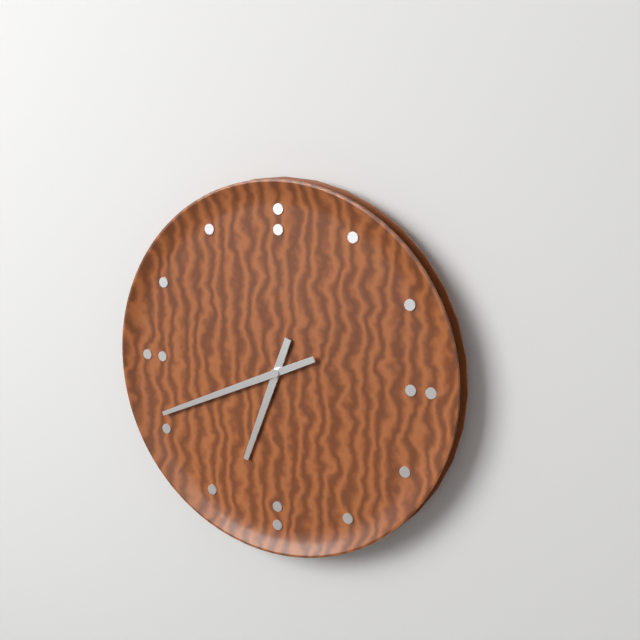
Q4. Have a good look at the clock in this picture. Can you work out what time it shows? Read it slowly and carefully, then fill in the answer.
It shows 6:41
